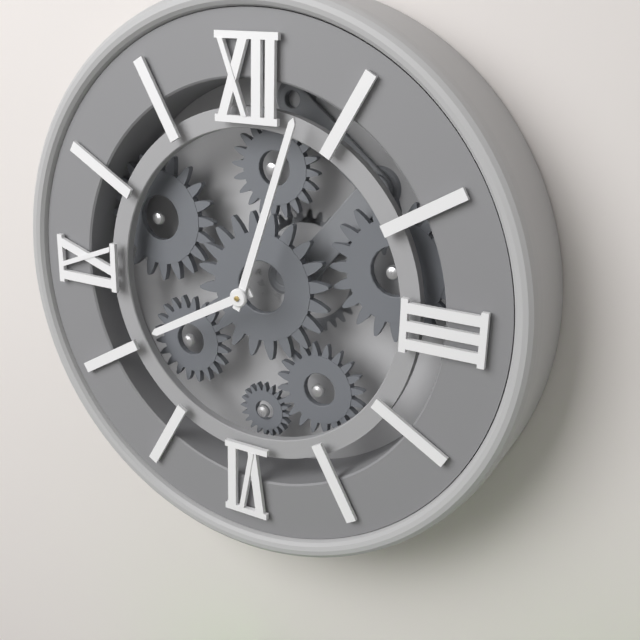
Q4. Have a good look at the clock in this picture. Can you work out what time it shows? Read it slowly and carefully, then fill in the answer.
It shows 8:03
